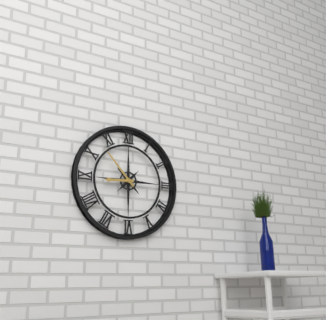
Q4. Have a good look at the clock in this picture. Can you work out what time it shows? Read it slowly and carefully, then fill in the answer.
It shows 8:53
